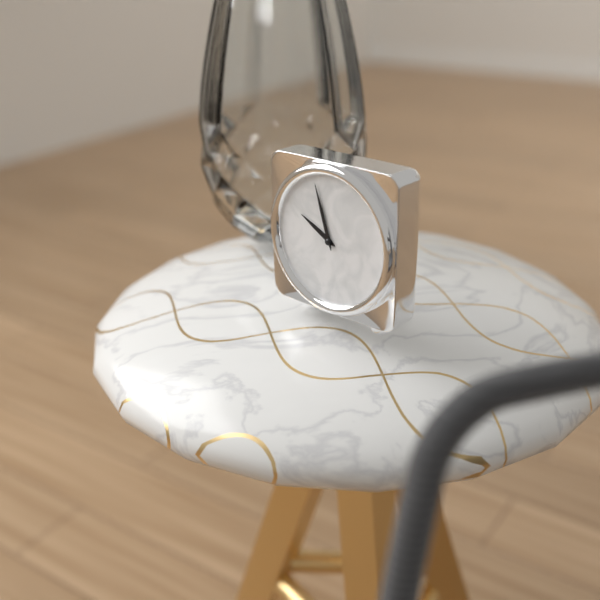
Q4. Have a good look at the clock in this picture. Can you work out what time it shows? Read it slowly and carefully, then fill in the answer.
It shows 9:57
